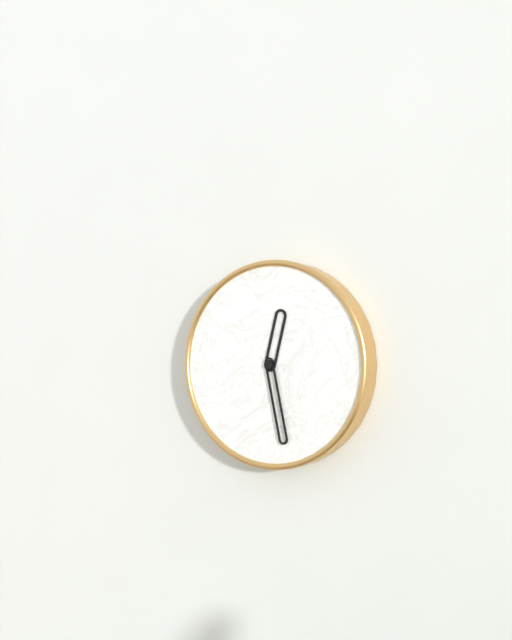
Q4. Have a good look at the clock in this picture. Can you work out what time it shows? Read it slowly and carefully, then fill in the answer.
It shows 12:28
